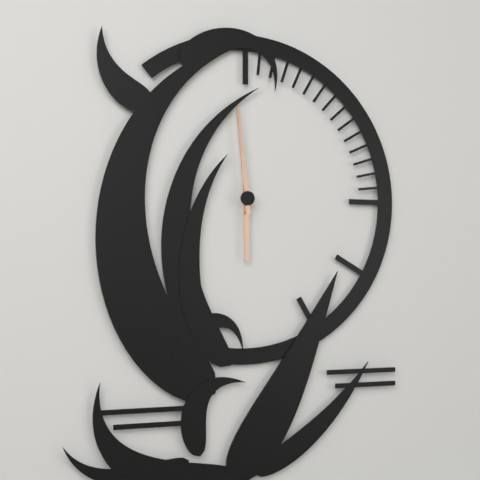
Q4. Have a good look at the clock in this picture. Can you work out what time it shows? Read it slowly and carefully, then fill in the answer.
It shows 5:59
